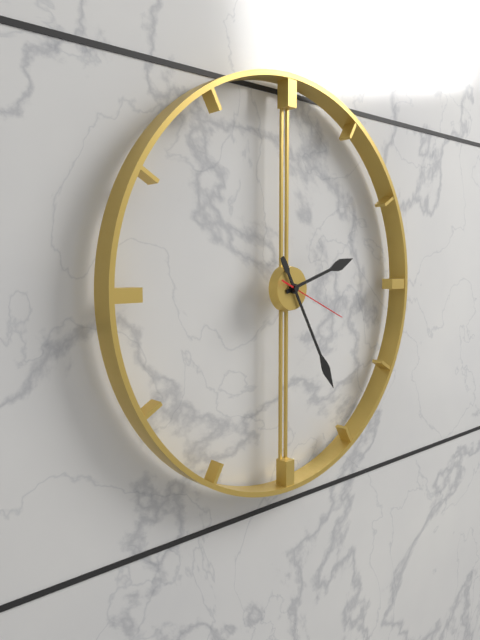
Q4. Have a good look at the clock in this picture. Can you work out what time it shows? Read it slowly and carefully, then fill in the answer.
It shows 2:25:19
